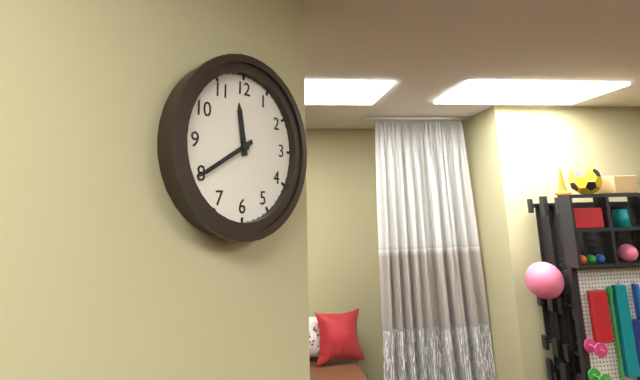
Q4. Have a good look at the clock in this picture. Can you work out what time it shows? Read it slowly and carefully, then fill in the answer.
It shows 11:40
